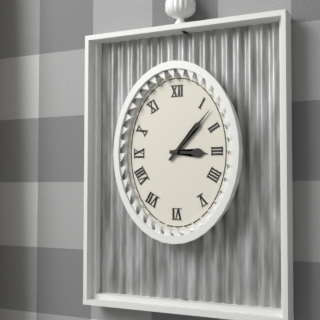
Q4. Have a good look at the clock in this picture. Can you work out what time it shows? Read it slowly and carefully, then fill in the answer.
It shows 3:07
